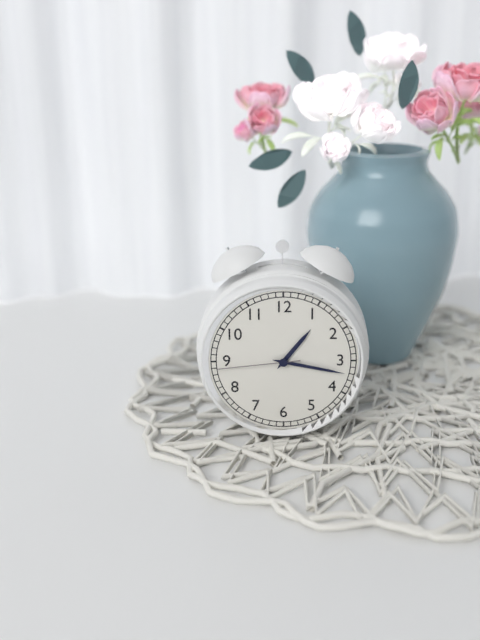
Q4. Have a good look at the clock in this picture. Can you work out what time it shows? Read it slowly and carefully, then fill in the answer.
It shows 1:17:44
